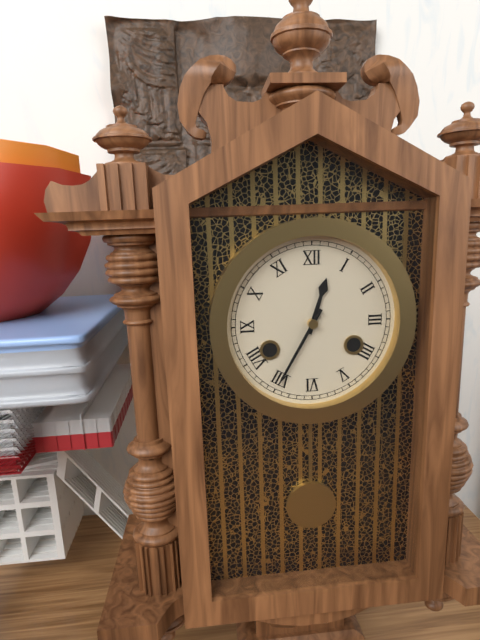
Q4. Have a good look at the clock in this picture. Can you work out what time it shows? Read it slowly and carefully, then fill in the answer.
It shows 12:35
